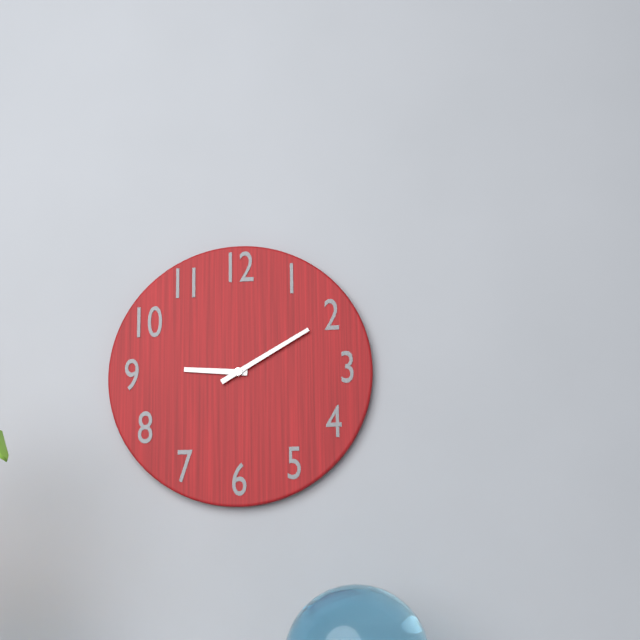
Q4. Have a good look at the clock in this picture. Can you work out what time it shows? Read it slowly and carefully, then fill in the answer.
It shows 9:10
